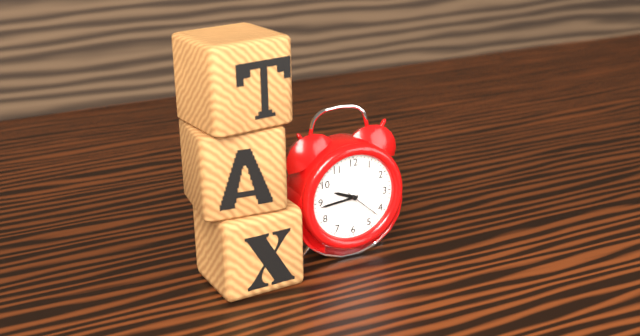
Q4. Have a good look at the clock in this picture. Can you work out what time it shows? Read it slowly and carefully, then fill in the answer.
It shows 9:44
